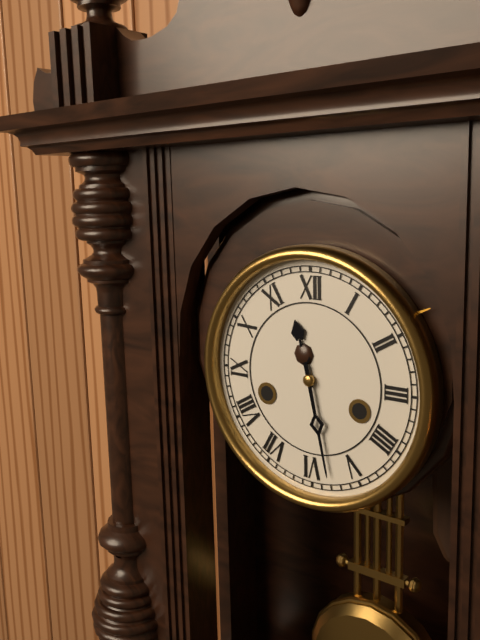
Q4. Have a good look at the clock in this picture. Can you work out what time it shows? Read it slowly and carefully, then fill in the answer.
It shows 11:28
